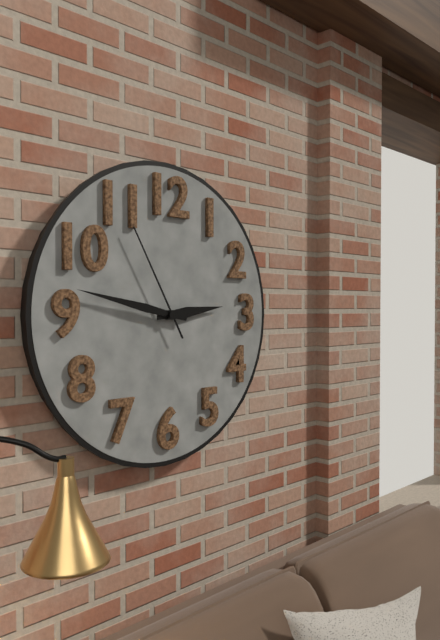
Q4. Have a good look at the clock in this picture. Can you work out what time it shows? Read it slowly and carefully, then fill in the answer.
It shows 2:47:55
